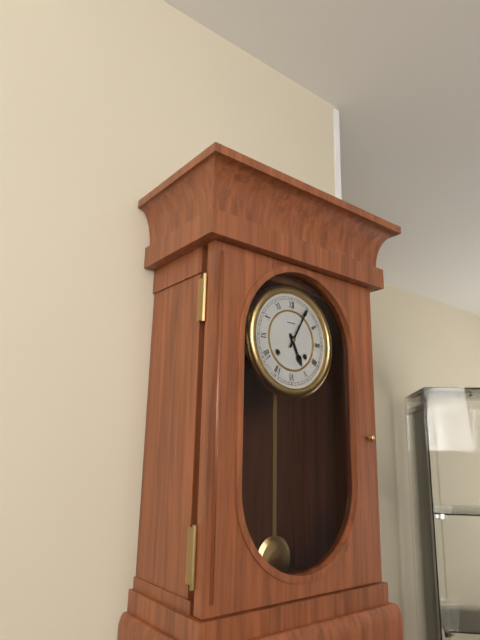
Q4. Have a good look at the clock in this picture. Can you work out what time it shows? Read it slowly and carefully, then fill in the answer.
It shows 5:05
